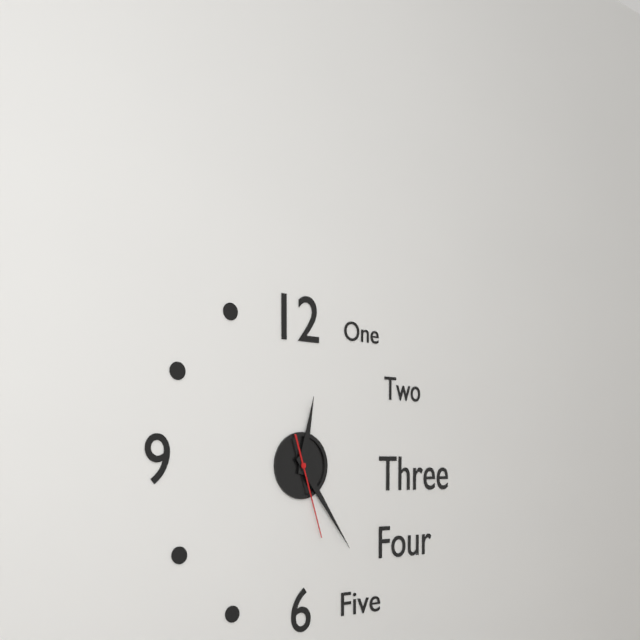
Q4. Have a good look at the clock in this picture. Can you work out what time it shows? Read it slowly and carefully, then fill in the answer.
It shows 12:24:27
